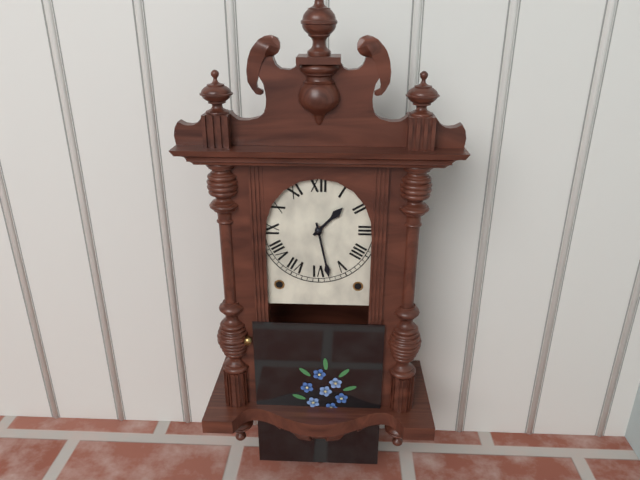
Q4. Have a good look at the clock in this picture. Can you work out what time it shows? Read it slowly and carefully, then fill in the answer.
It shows 1:28
